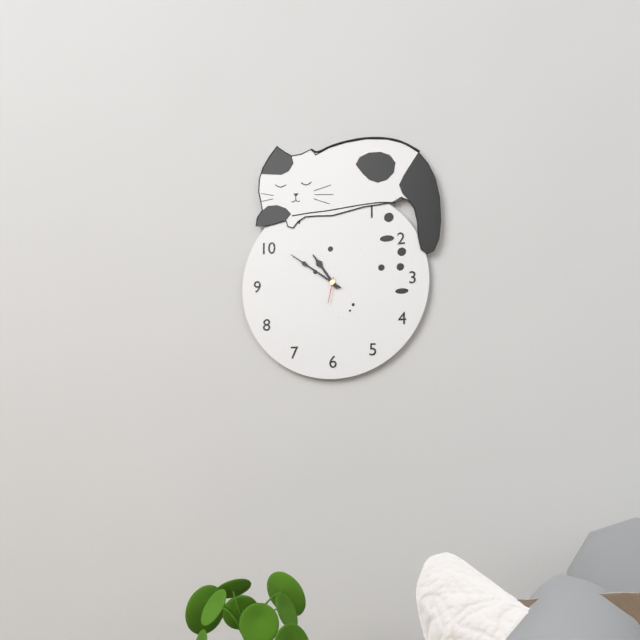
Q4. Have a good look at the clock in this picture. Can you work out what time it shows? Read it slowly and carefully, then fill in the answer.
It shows 10:51
